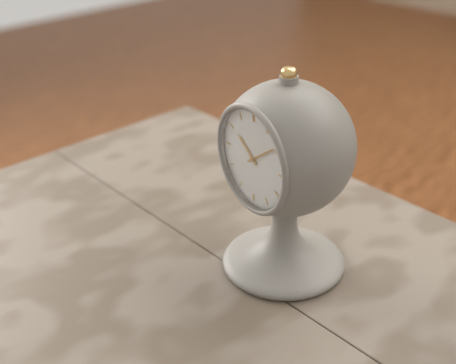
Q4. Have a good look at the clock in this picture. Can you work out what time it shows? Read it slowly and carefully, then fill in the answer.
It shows 10:09
